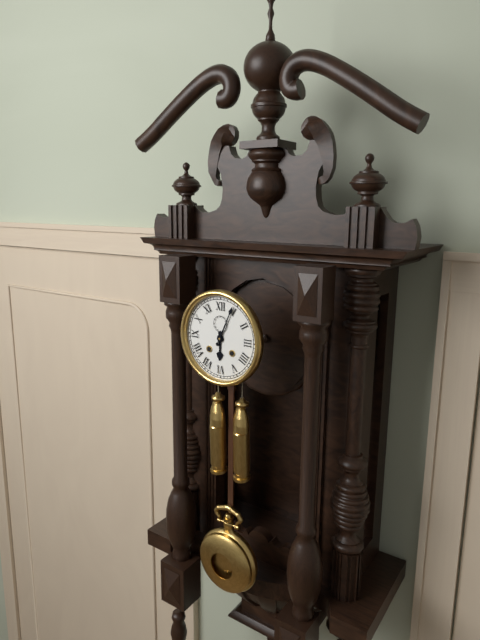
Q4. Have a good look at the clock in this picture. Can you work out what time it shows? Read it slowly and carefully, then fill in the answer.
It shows 6:04
